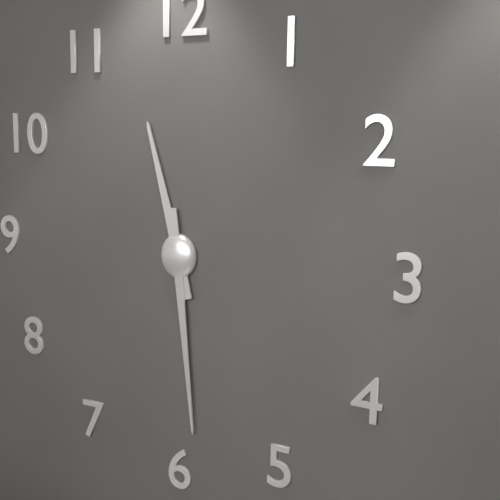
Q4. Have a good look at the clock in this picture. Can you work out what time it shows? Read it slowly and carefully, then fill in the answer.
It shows 11:29
